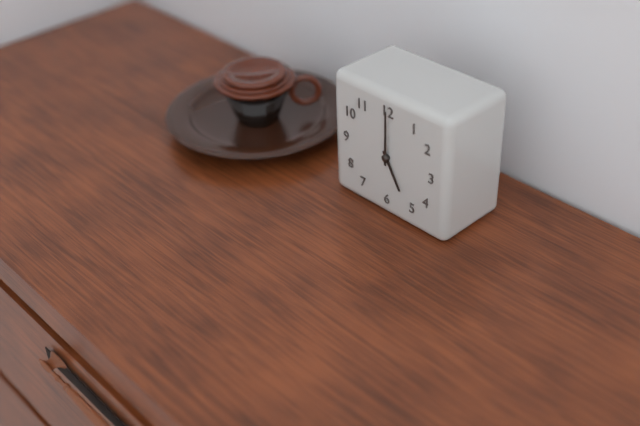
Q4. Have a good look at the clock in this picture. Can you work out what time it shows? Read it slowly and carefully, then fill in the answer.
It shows 5:00
